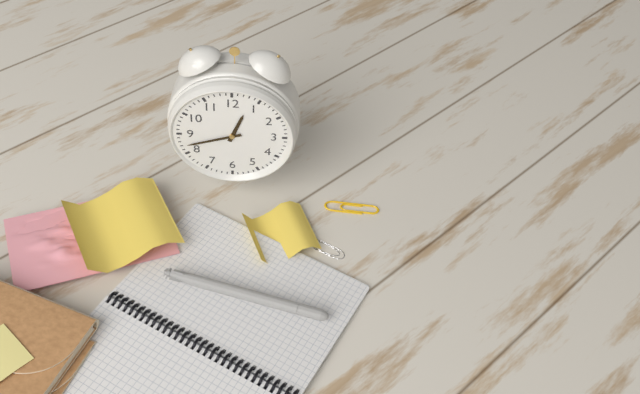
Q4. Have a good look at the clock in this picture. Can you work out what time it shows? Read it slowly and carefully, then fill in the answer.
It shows 12:42
